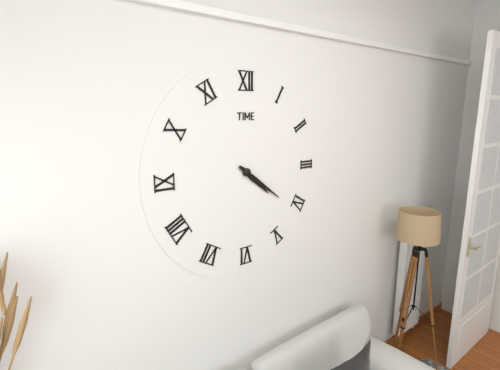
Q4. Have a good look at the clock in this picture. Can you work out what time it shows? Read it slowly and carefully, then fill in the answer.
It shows 4:21
